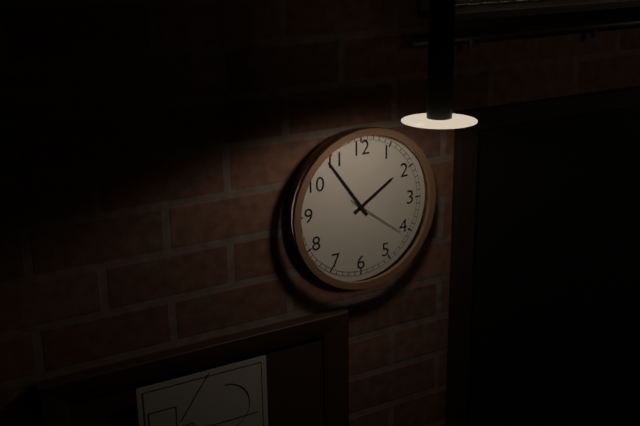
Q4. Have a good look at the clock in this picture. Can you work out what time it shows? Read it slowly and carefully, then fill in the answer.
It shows 1:54:21
